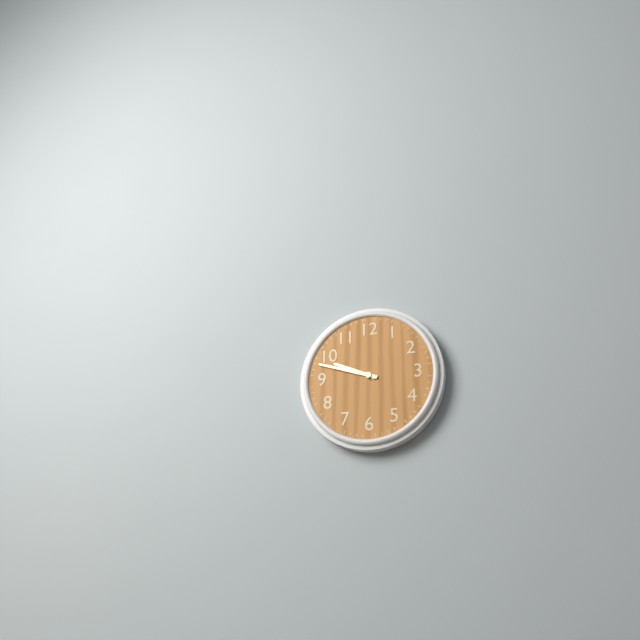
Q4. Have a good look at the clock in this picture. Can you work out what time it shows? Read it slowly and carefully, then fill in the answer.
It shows 9:48
